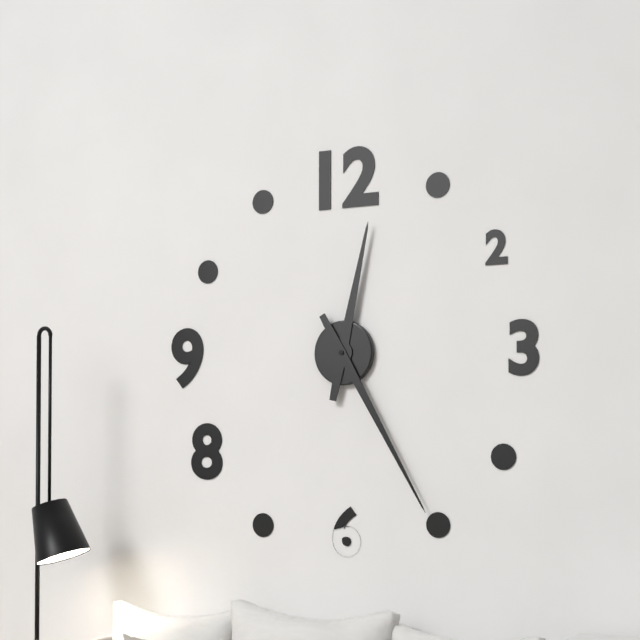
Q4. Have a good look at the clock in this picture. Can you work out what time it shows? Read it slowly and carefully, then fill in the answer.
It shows 12:25
